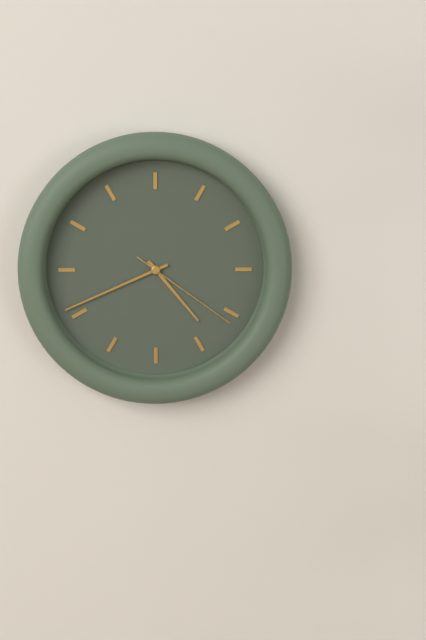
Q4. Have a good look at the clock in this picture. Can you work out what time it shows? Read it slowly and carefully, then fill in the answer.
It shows 4:41:21
